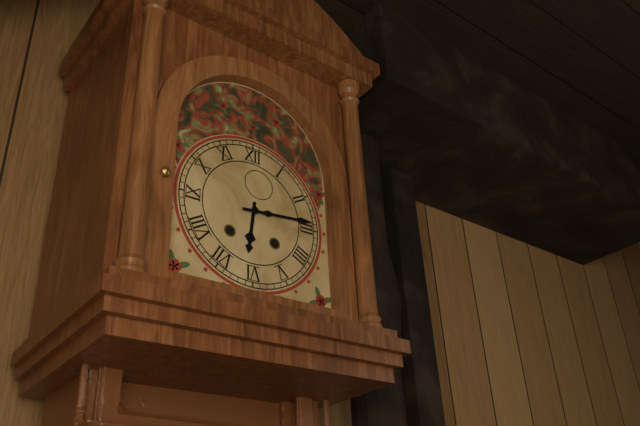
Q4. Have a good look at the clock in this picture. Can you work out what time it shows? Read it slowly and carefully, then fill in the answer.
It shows 6:14
